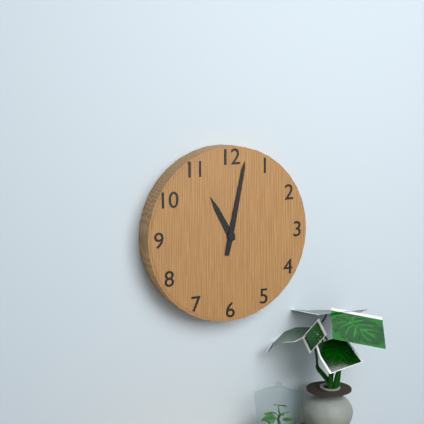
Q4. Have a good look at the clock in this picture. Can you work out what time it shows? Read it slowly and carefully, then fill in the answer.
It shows 11:02
